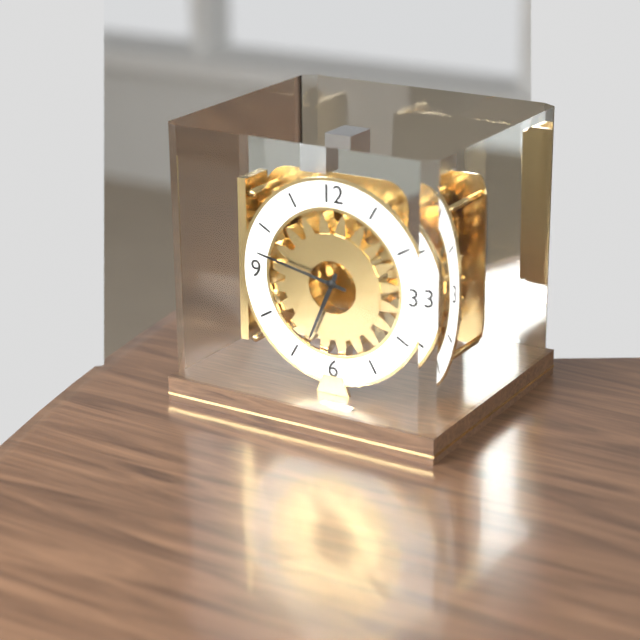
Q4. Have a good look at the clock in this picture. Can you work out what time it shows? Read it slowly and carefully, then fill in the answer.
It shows 6:47
